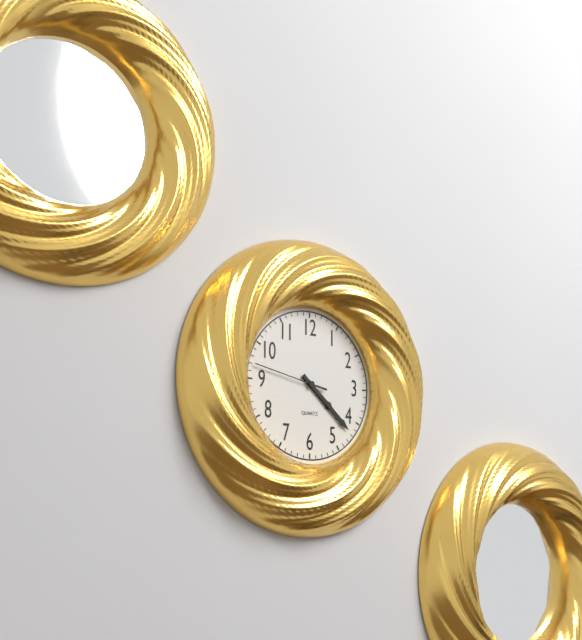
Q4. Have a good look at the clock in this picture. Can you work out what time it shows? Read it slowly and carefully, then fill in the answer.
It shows 4:22:47
